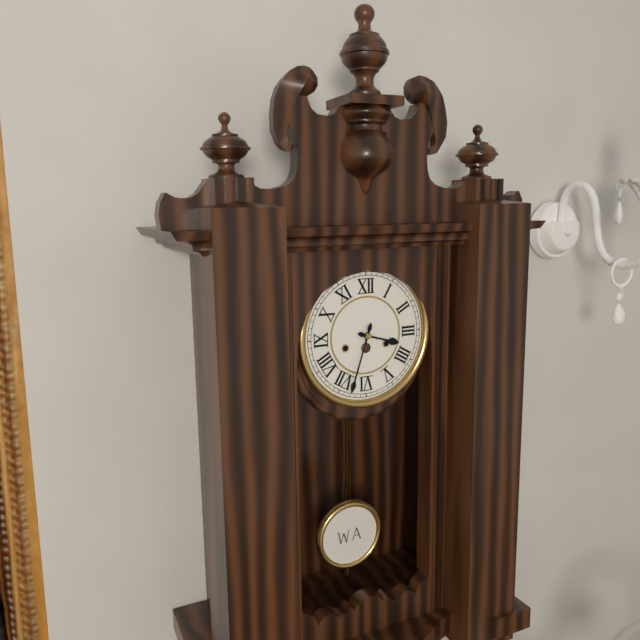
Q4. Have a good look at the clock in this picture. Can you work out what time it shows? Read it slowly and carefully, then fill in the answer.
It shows 3:33
